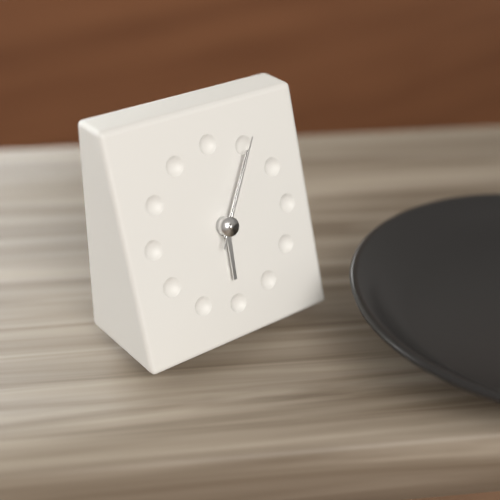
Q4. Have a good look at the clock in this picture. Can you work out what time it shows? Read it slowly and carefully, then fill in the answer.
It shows 6:05:05
